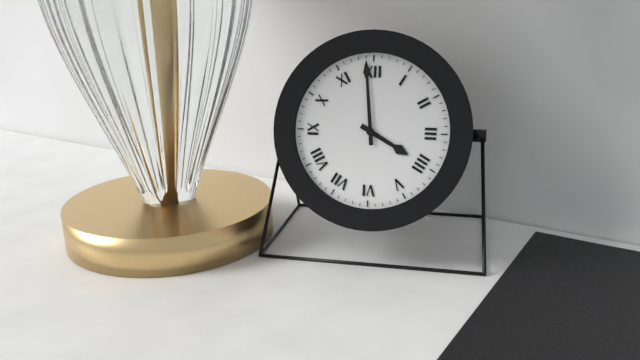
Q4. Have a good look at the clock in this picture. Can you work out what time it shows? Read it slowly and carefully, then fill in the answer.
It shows 3:59
